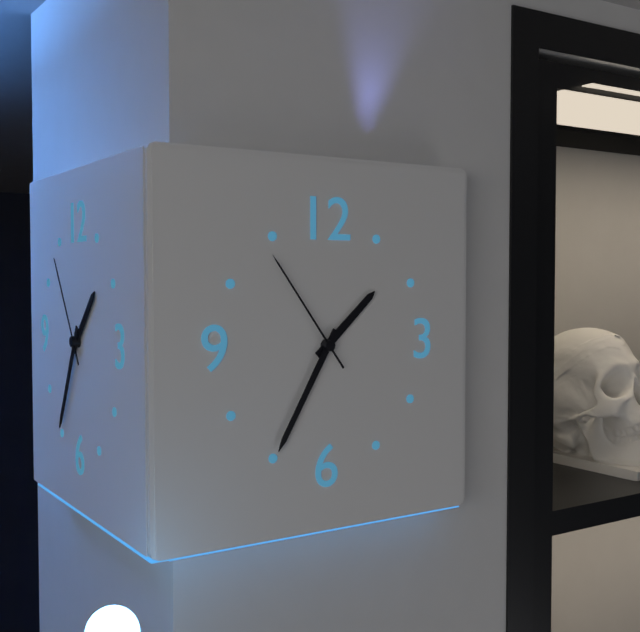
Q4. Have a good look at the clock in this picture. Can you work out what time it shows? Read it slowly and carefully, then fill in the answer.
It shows 1:35:54
